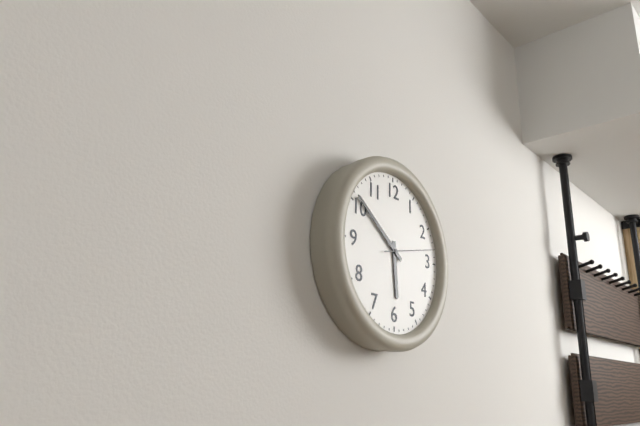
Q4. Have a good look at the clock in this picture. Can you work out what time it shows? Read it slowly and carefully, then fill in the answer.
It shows 5:51
